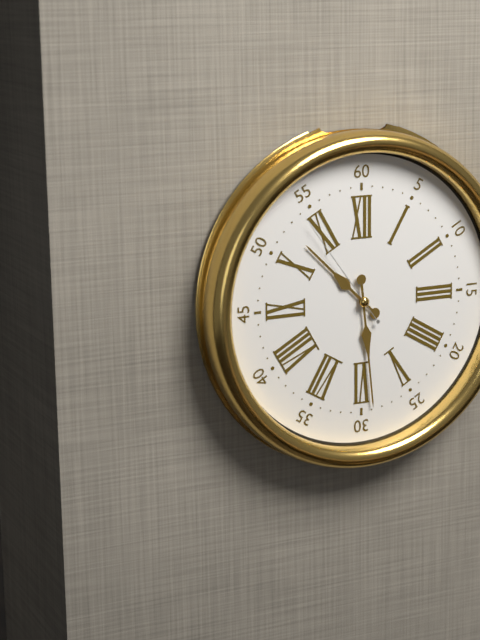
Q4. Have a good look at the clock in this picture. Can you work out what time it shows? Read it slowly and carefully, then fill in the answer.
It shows 10:29:54
